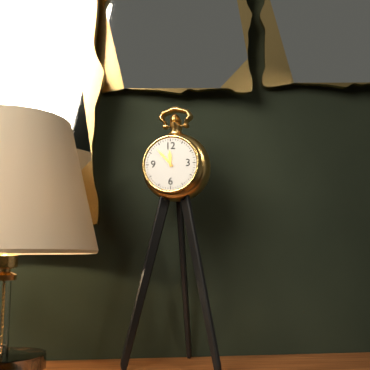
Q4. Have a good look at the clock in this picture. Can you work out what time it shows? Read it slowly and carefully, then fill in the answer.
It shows 11:53
